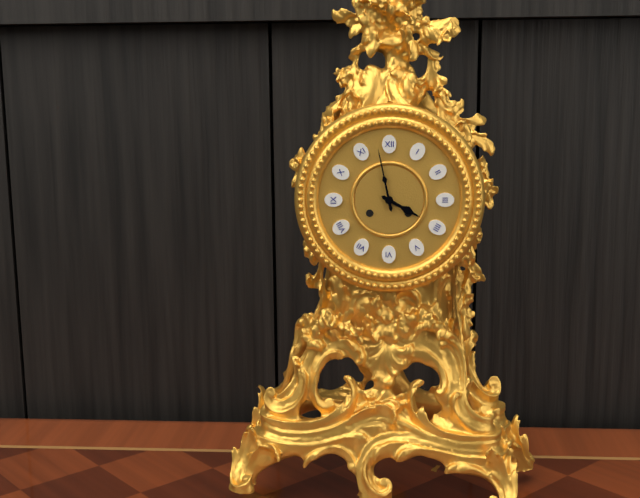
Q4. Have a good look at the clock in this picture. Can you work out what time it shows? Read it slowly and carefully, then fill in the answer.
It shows 3:58
